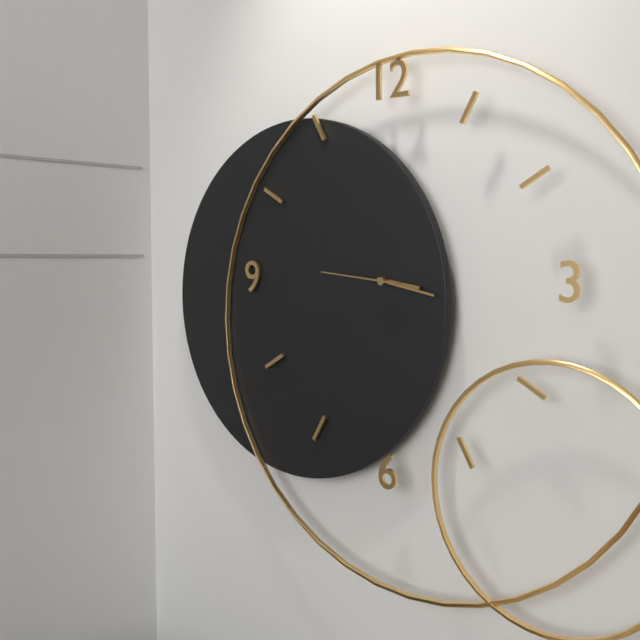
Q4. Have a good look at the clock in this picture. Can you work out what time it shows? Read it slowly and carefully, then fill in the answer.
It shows 3:17:46
